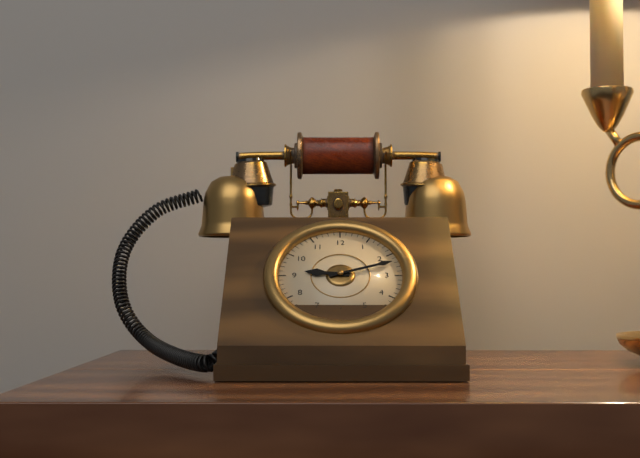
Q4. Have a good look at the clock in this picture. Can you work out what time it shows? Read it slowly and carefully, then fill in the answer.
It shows 9:12
